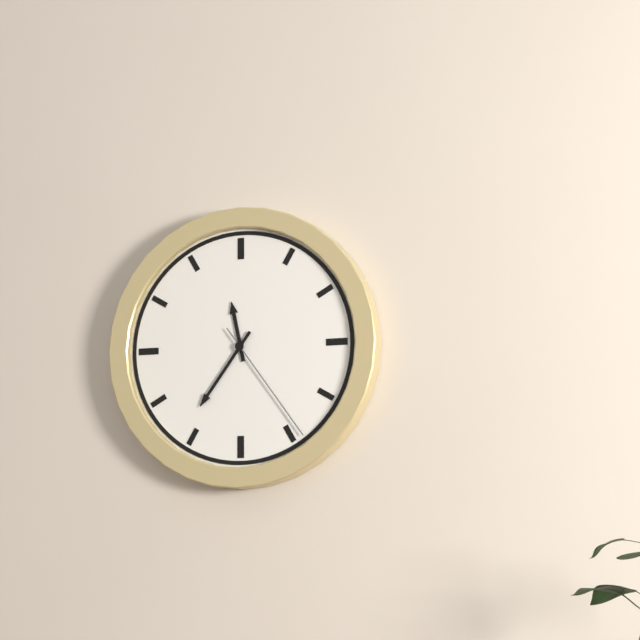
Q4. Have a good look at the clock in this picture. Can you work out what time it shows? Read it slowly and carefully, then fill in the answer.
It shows 11:36:24
